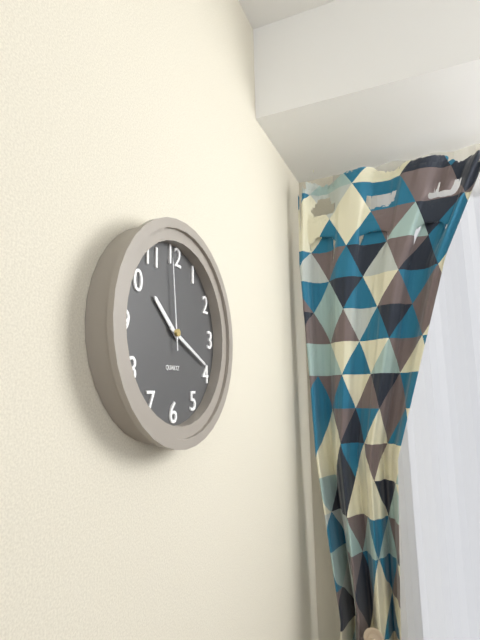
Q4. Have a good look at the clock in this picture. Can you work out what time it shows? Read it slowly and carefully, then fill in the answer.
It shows 10:19:59
